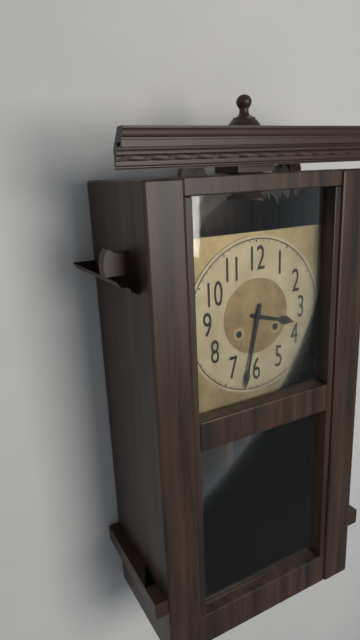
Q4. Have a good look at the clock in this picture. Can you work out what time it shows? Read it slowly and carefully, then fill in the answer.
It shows 3:32
